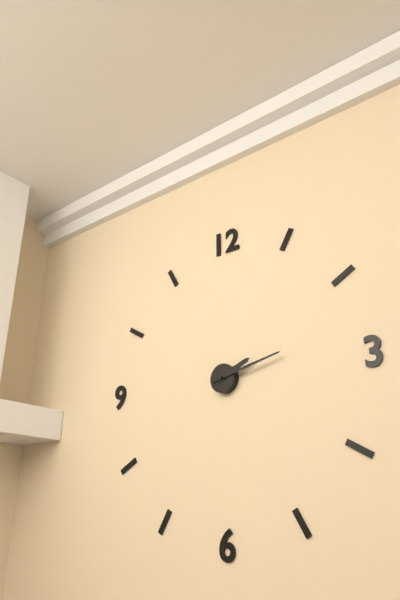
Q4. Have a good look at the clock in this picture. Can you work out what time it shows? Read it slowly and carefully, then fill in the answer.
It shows 2:13
